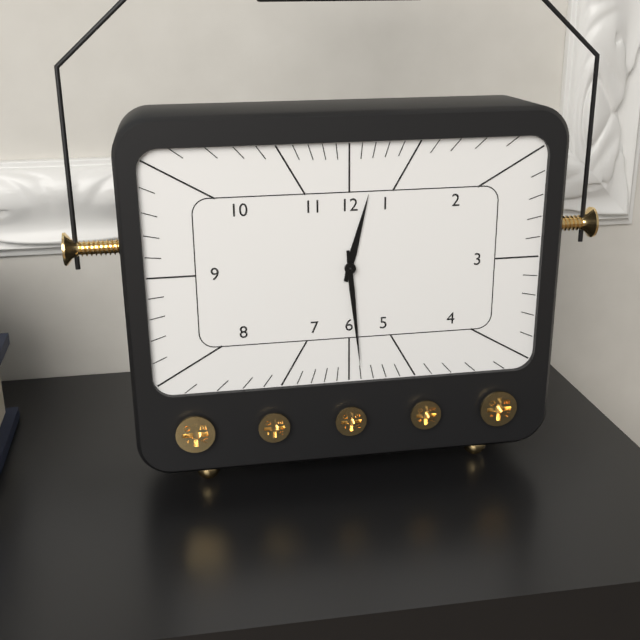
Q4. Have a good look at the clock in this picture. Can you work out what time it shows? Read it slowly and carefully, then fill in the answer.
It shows 12:29
